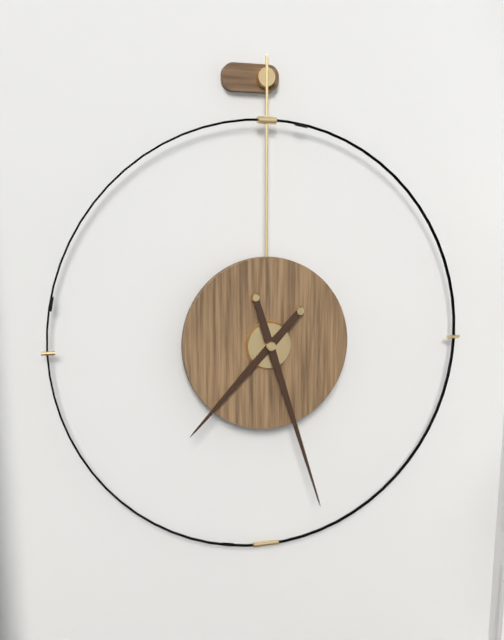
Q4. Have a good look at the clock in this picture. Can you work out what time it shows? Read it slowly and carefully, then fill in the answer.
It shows 7:27
